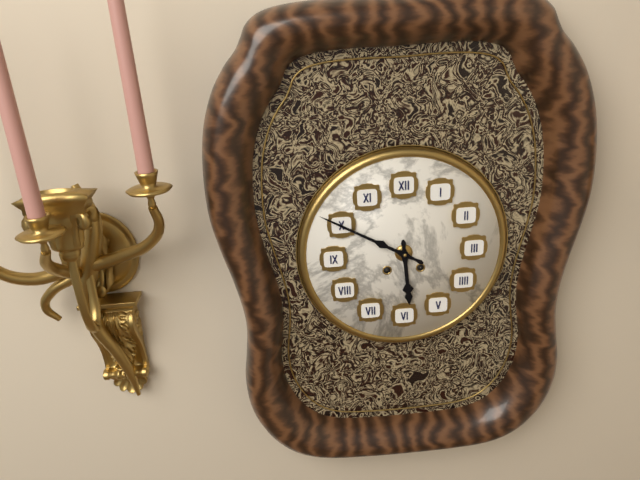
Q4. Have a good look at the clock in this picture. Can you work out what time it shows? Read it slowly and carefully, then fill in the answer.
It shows 5:50
